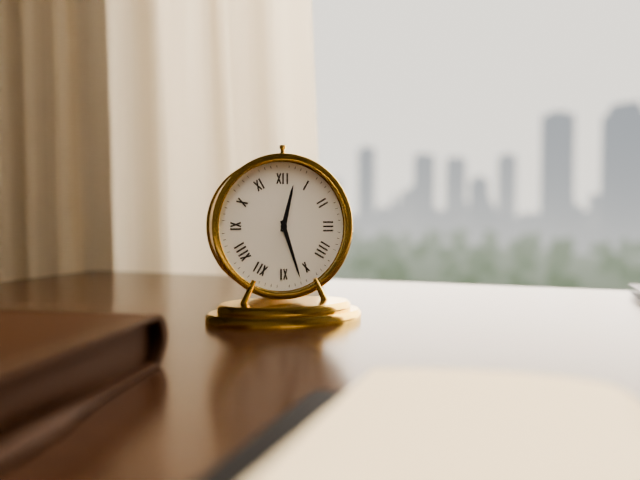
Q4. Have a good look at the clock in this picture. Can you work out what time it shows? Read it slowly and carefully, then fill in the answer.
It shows 12:27
